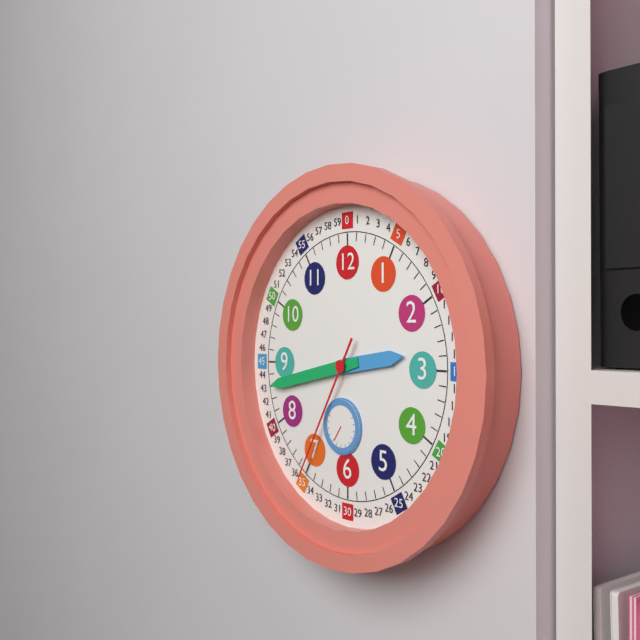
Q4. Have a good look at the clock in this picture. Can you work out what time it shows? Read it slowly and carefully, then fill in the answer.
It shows 2:43:35
